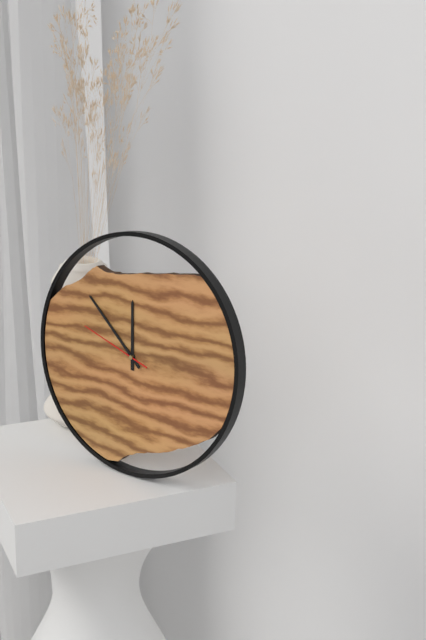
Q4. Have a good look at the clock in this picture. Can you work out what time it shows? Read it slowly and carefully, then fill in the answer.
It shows 11:52:48
